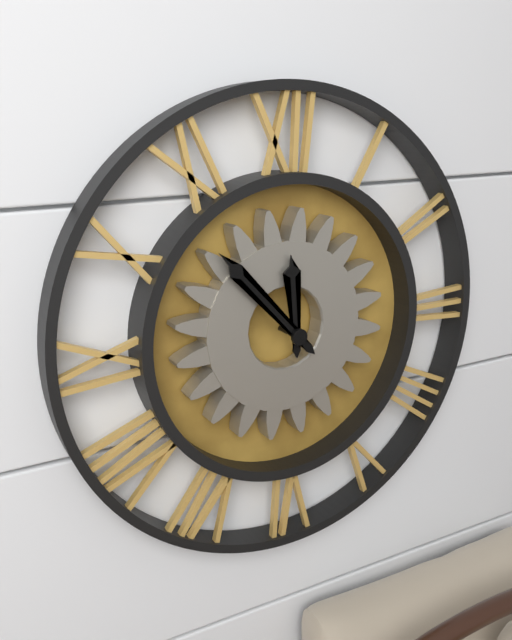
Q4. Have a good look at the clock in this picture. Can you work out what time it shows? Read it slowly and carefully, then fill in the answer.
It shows 11:53
